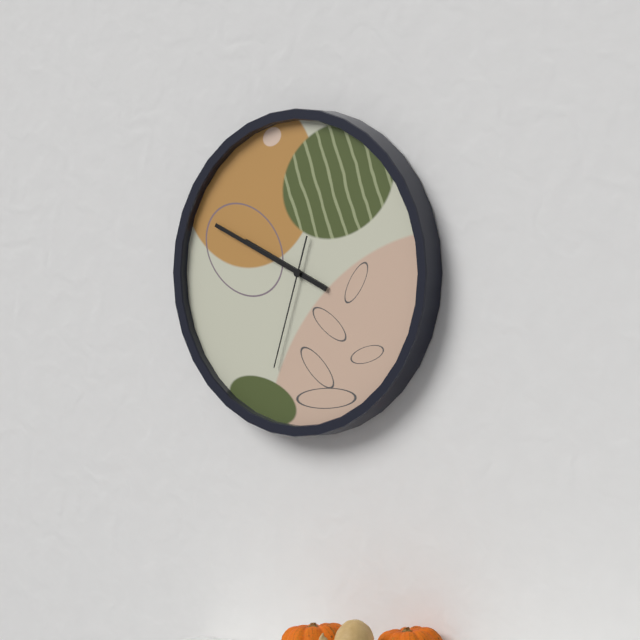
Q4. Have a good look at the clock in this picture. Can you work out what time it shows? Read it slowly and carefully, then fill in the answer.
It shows 9:49:33
